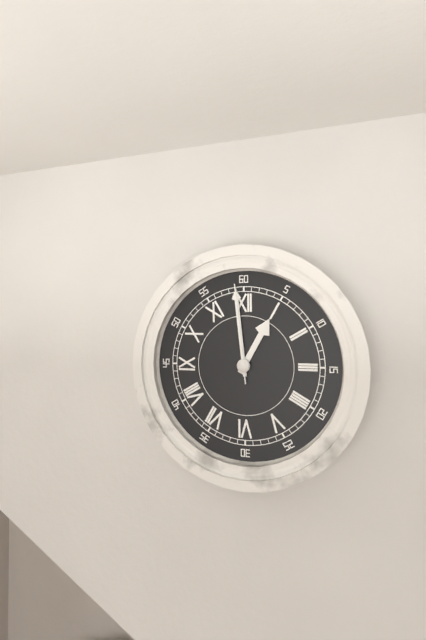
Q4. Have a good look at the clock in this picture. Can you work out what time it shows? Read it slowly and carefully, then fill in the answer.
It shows 12:59:59
